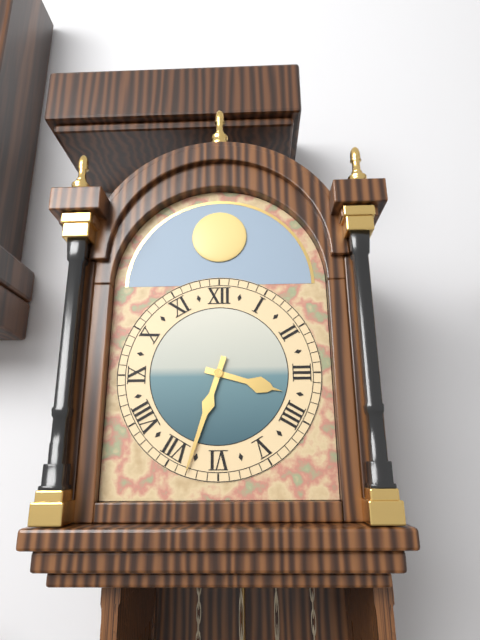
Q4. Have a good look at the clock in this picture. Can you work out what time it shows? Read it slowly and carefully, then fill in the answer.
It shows 3:33
